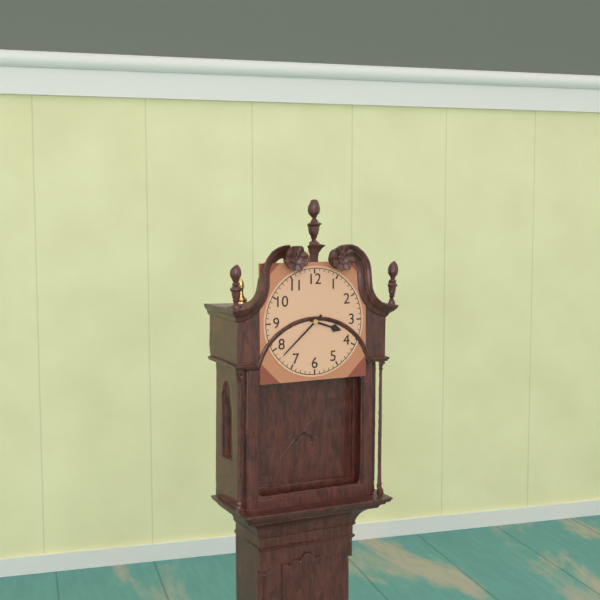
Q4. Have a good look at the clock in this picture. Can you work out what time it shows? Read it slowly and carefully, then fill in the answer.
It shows 3:38
